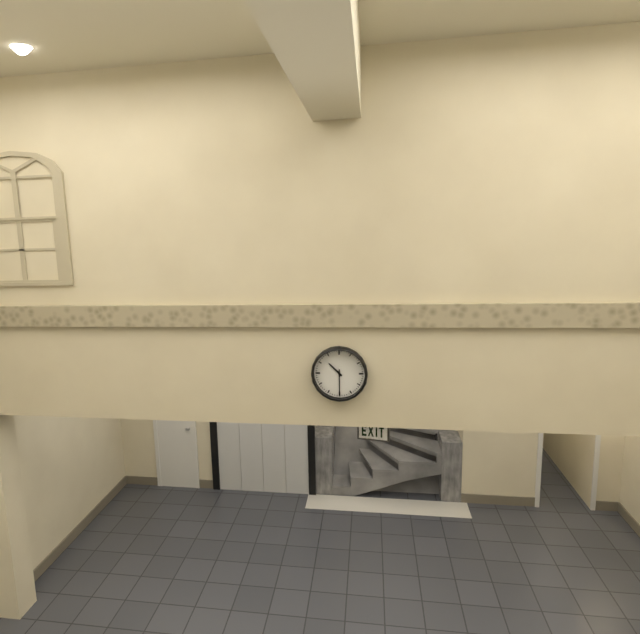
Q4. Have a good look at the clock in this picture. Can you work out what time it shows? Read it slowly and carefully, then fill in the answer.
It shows 10:30
